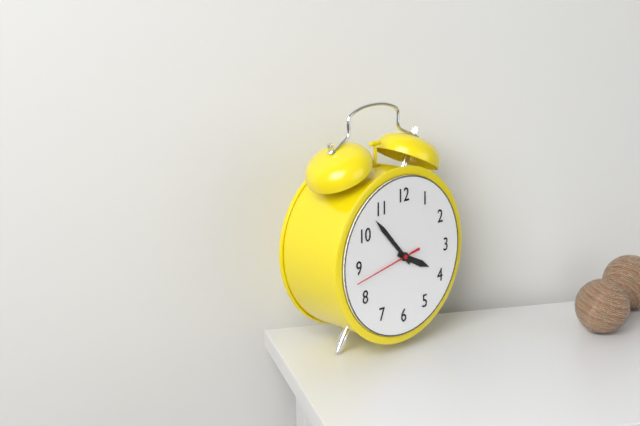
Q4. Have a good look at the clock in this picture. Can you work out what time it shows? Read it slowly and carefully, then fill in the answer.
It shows 3:53:43
